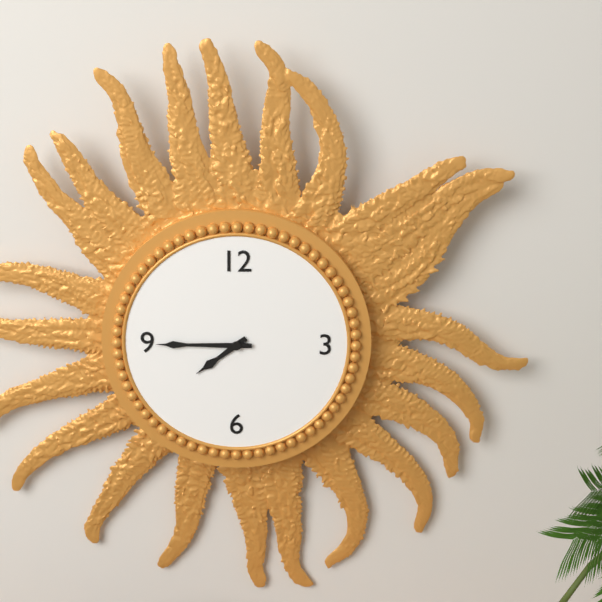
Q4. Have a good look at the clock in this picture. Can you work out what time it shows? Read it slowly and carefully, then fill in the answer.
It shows 7:45
